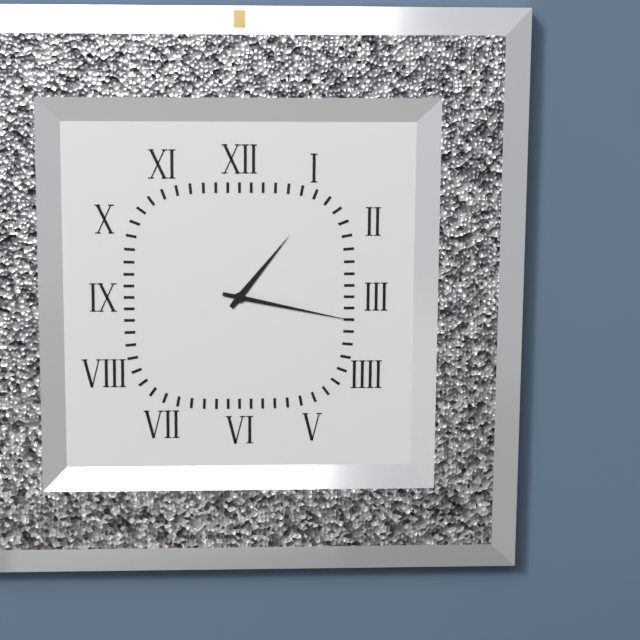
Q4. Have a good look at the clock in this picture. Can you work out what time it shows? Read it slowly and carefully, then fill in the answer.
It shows 1:17
